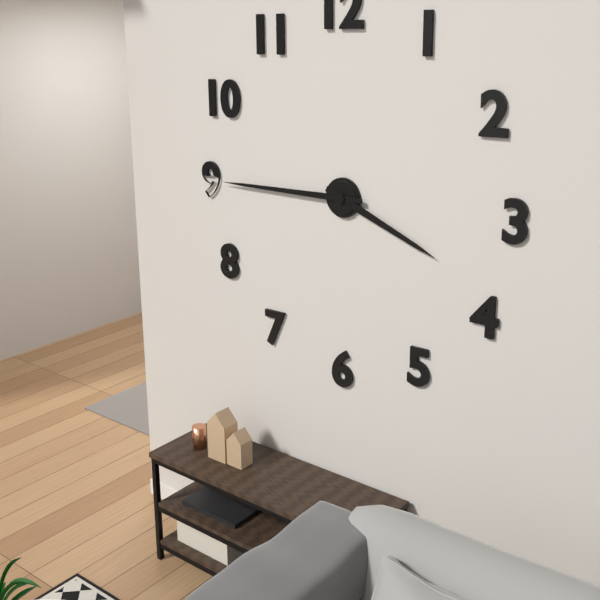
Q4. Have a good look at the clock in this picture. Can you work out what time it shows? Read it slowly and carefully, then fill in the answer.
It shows 3:45
